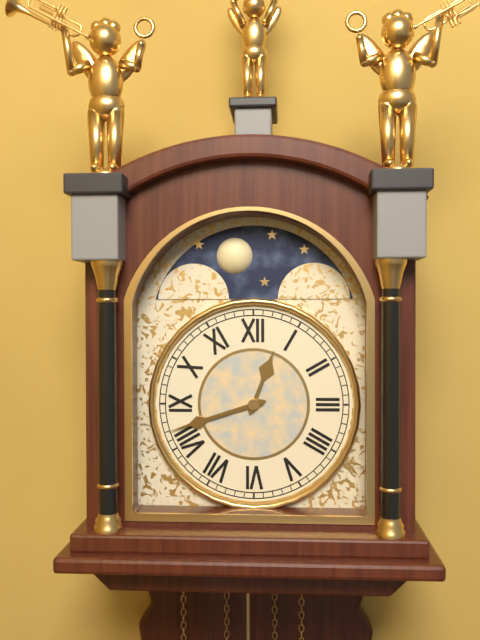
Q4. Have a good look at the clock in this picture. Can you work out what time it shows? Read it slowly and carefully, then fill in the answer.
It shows 12:42
